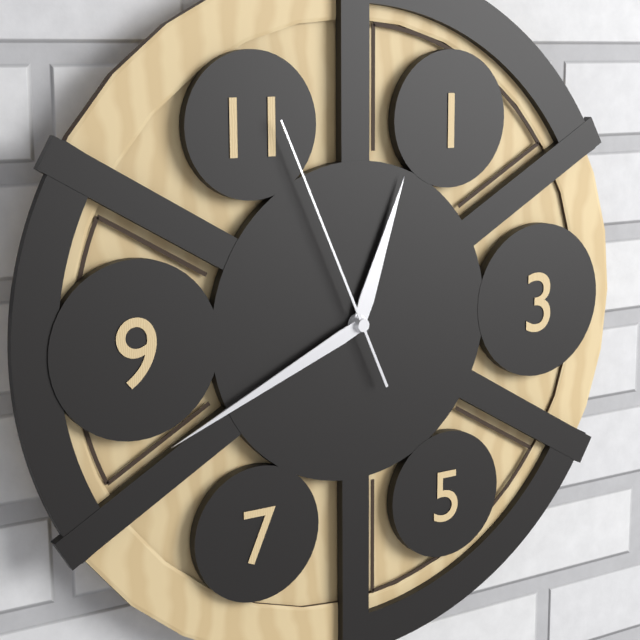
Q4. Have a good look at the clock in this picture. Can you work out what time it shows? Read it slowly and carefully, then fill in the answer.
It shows 12:41:56
